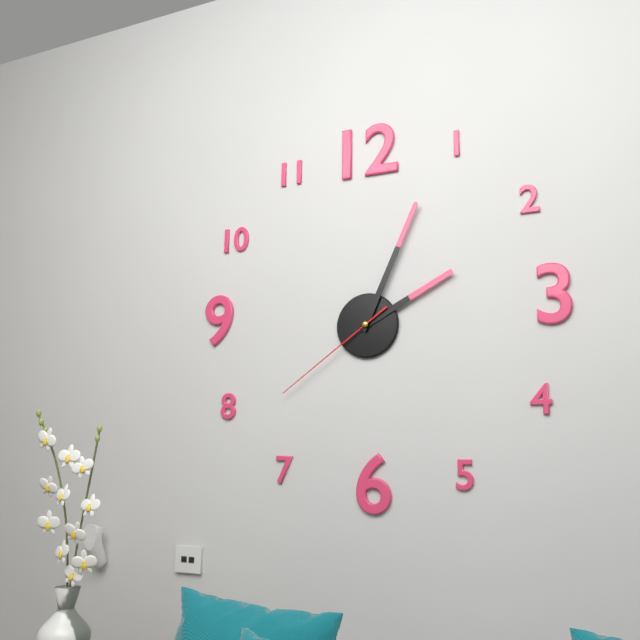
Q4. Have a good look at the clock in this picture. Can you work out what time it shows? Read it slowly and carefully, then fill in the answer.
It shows 2:04:39
